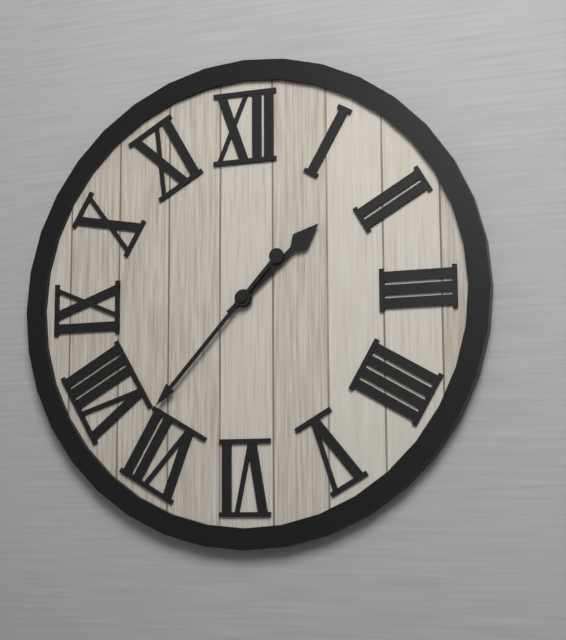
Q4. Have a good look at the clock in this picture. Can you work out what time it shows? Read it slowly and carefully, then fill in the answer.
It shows 1:37
